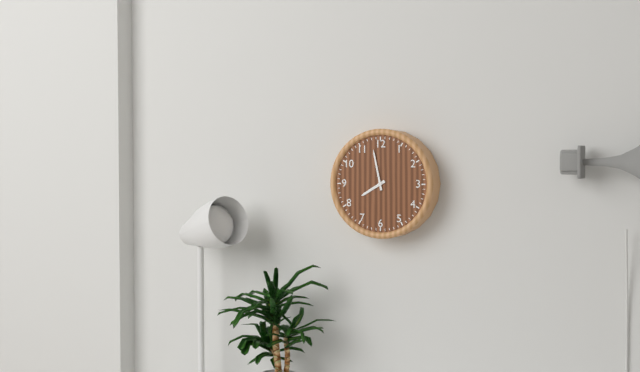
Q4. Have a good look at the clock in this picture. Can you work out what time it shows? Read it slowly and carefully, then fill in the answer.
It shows 7:58
